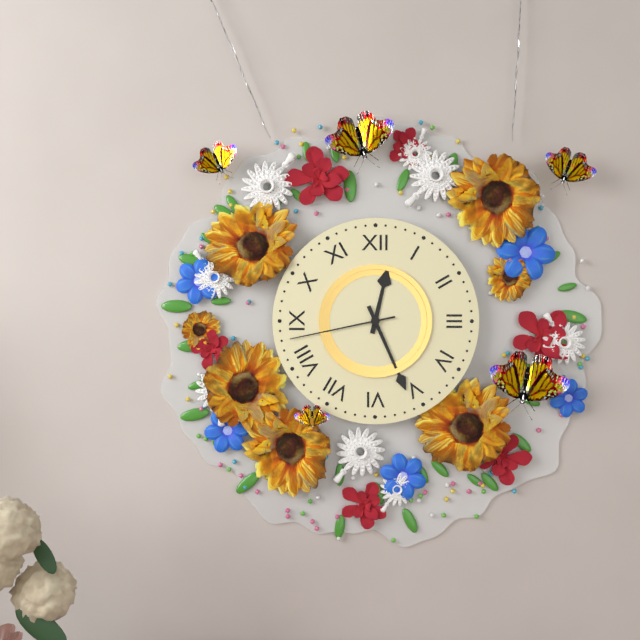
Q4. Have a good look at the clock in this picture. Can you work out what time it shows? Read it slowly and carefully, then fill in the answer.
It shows 12:26:43
